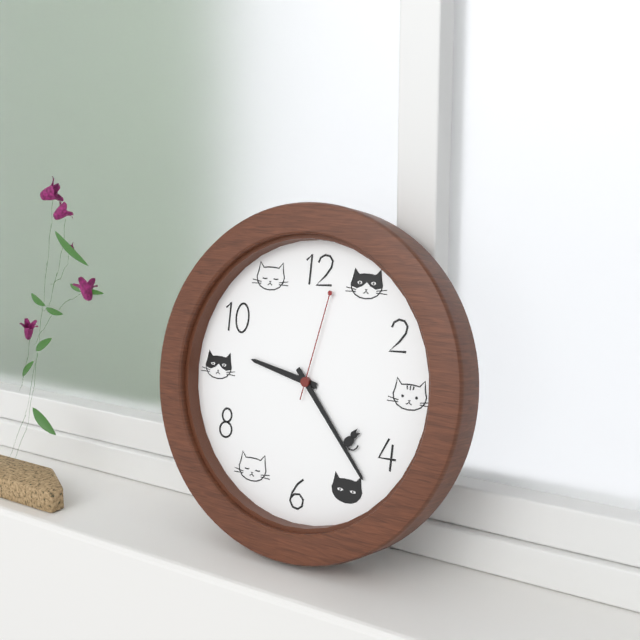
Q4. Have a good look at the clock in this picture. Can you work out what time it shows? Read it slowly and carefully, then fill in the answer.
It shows 9:23:02
